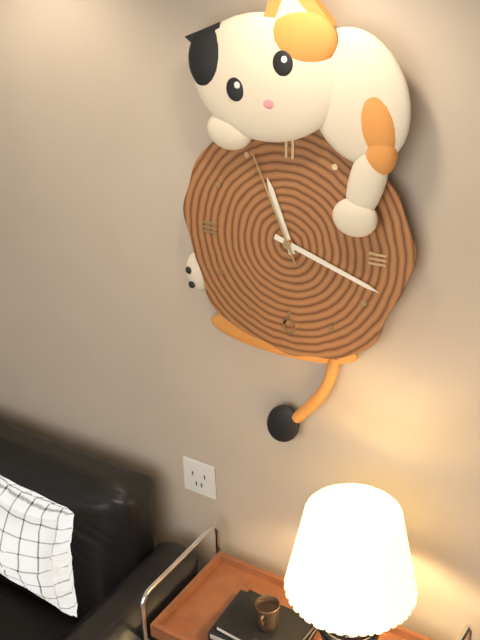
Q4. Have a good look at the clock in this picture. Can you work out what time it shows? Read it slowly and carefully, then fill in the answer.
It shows 11:18:56
